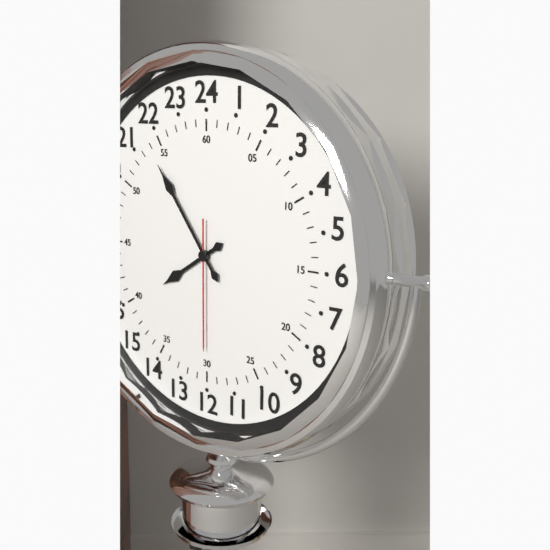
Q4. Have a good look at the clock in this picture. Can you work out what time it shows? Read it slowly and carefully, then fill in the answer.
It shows 7:54:30
